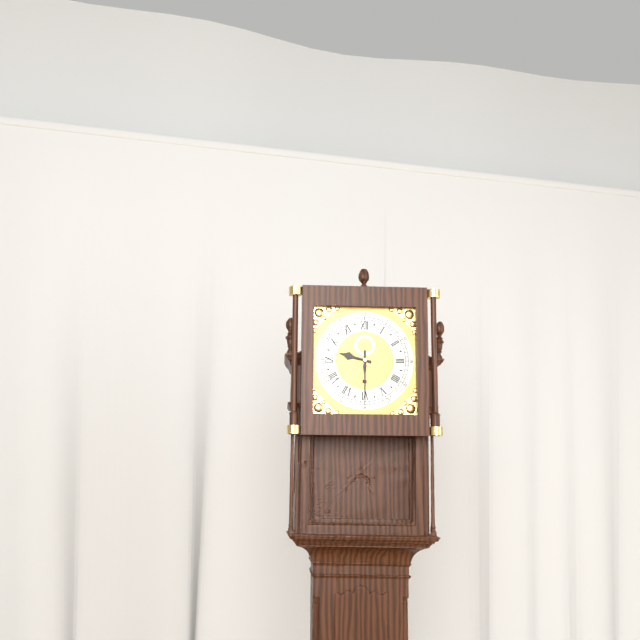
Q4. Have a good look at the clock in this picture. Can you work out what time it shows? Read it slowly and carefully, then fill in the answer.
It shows 9:30
